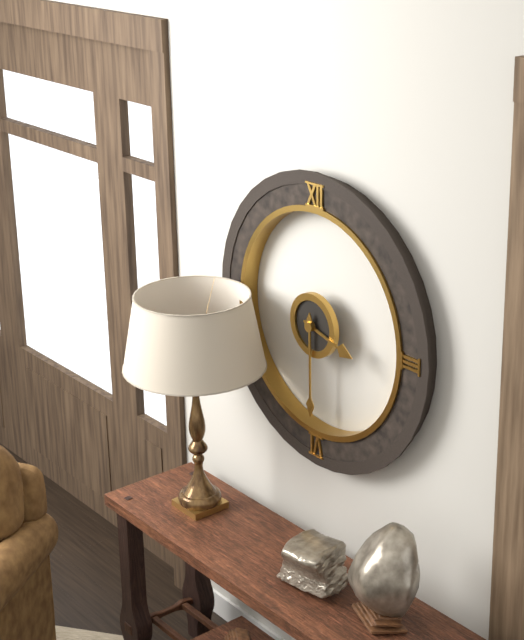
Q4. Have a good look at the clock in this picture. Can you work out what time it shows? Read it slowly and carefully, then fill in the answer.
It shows 3:30
